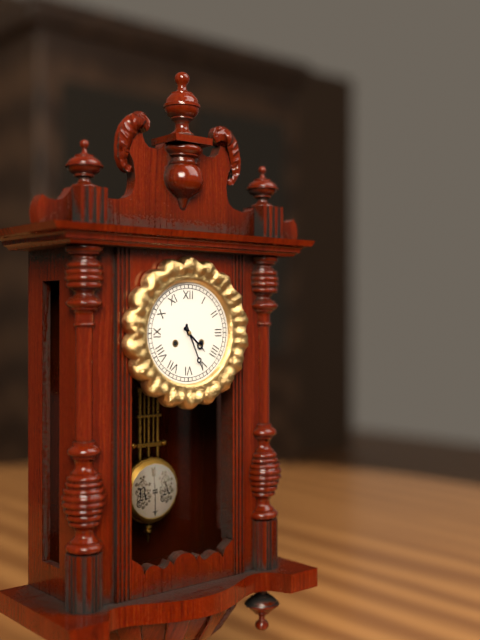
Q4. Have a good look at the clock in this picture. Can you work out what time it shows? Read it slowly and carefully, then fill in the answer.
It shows 4:26
